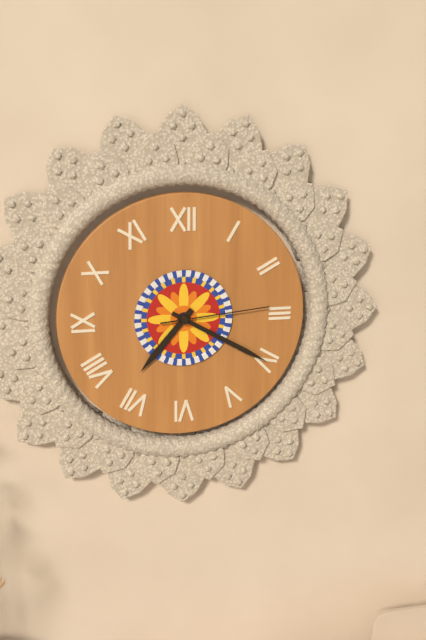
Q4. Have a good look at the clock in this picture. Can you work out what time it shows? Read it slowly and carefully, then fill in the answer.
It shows 7:20:14
